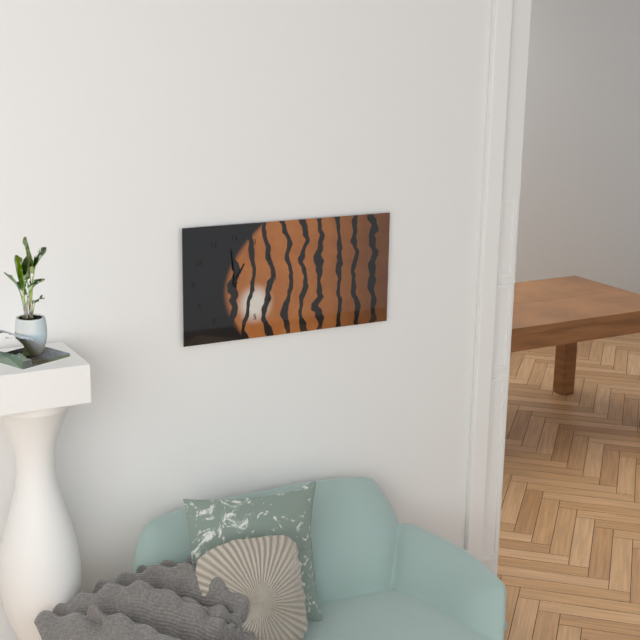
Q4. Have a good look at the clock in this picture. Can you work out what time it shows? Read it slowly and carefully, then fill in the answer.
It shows 12:59
